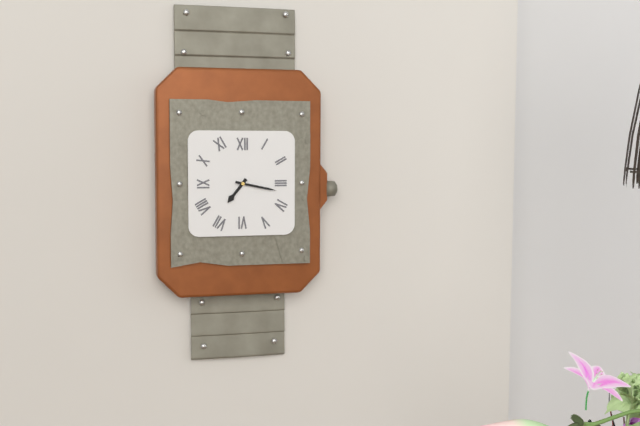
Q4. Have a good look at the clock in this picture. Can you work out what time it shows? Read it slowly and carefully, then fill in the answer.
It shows 7:17
